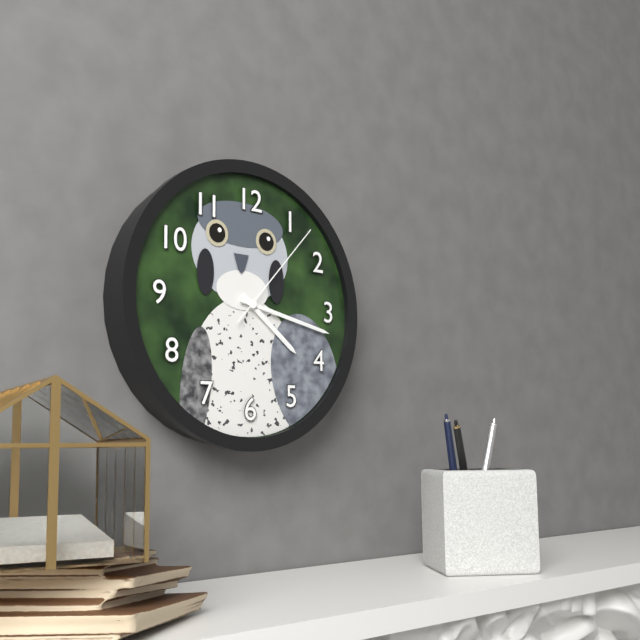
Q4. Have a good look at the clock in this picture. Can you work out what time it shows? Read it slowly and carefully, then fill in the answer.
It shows 4:17:07
